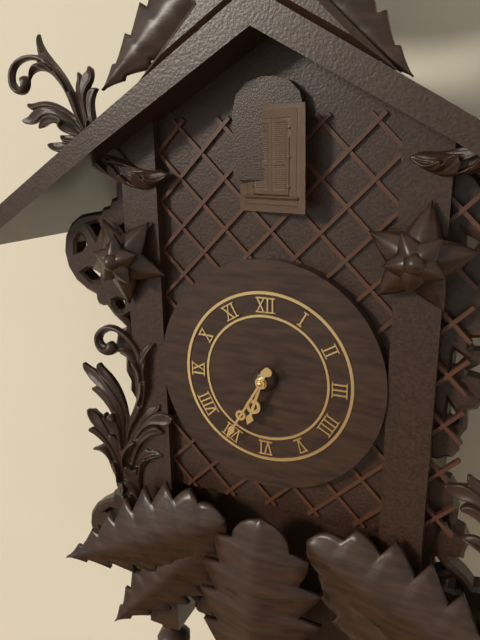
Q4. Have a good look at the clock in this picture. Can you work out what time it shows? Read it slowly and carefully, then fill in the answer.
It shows 6:35
